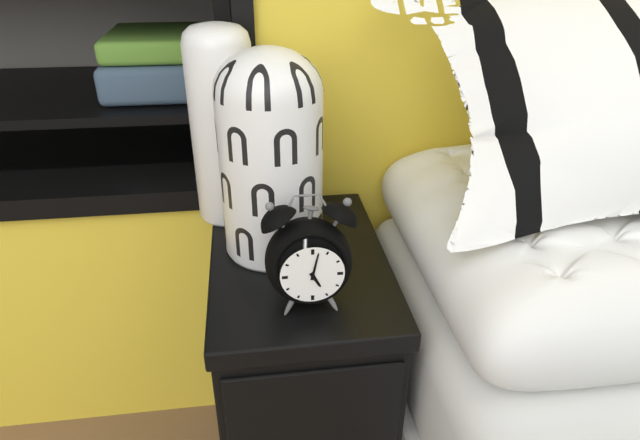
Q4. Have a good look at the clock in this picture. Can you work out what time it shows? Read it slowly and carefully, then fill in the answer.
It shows 5:02
